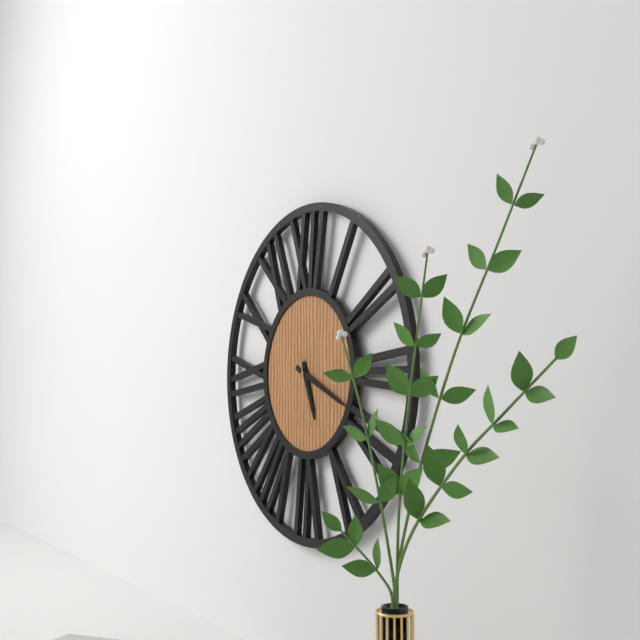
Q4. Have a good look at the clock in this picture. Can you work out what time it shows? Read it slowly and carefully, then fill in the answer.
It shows 5:19:27
